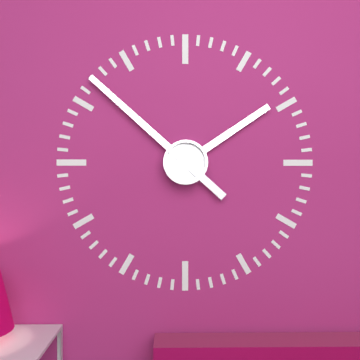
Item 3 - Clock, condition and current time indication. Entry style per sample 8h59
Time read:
1h52
